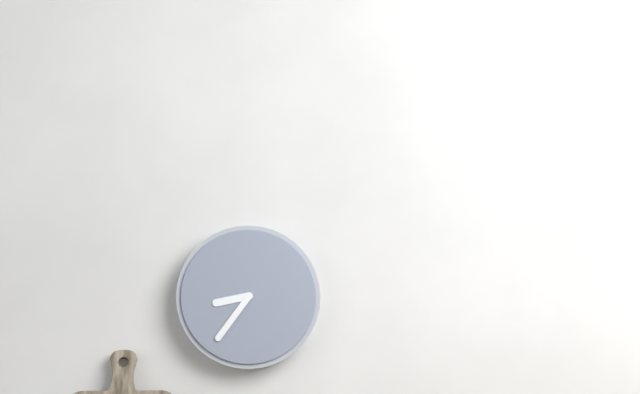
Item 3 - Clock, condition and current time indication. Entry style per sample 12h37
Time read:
8h36
